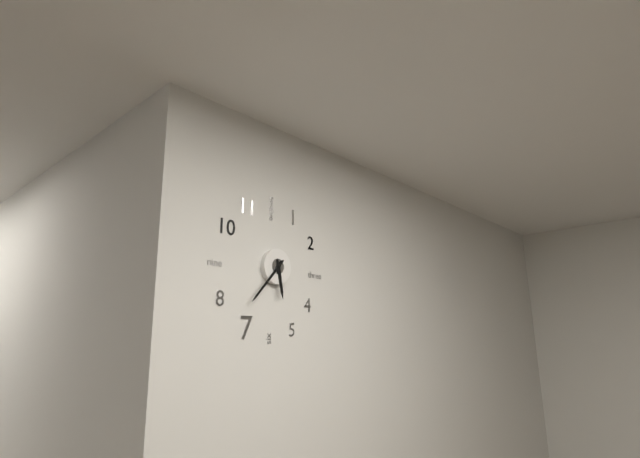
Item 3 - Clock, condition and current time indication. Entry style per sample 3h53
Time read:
5h37
